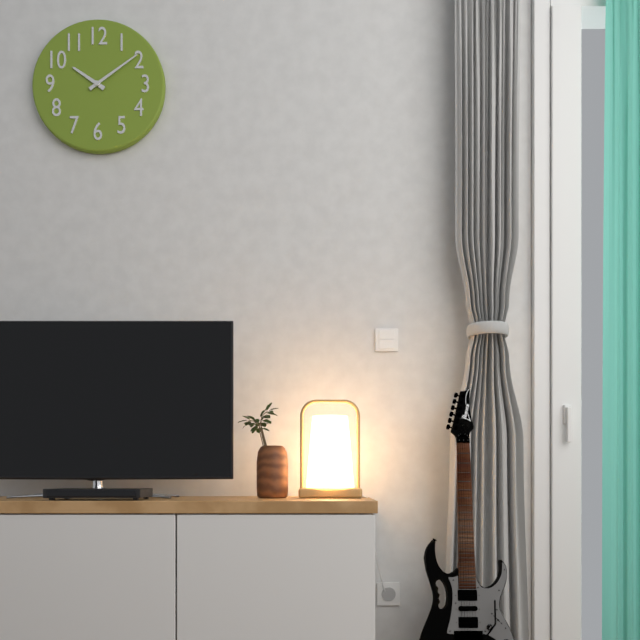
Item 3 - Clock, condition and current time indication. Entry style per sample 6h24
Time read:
10h09
